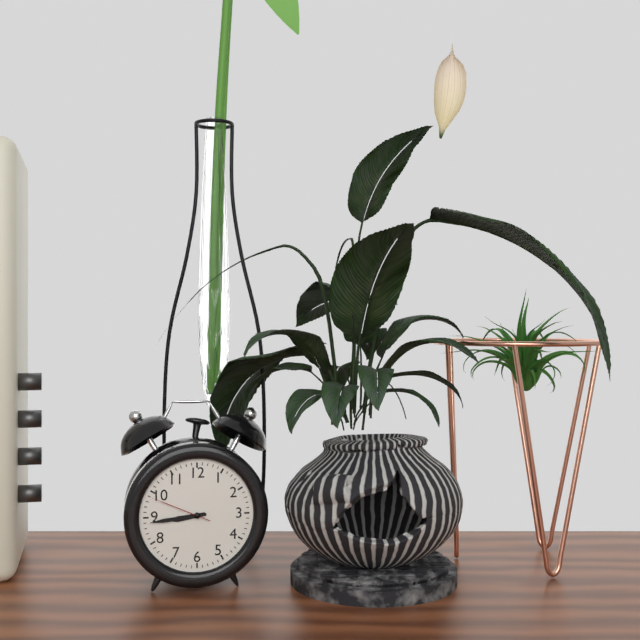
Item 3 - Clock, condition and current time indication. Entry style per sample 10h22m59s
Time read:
8h44m49s
